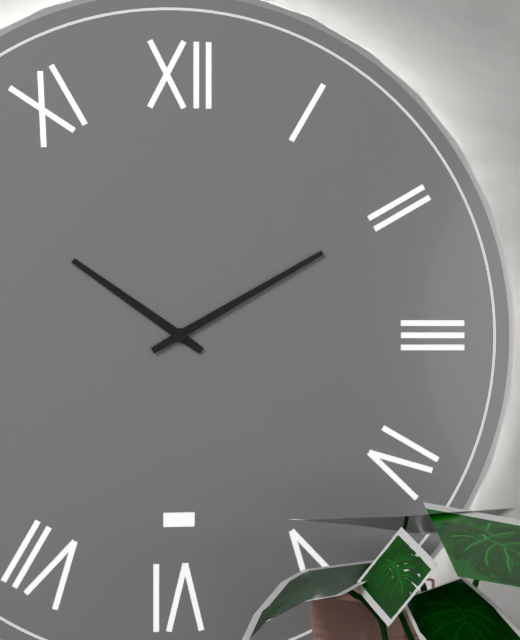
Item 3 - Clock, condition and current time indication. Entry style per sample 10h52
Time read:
10h10
